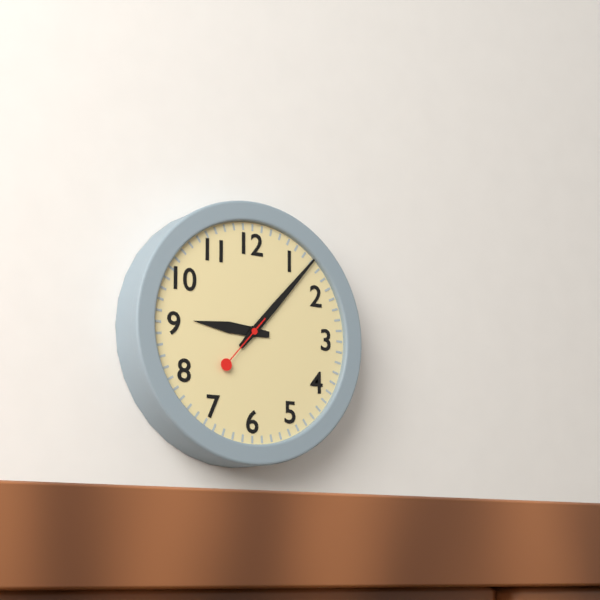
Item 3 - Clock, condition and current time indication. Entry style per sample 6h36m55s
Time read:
9h07m37s
